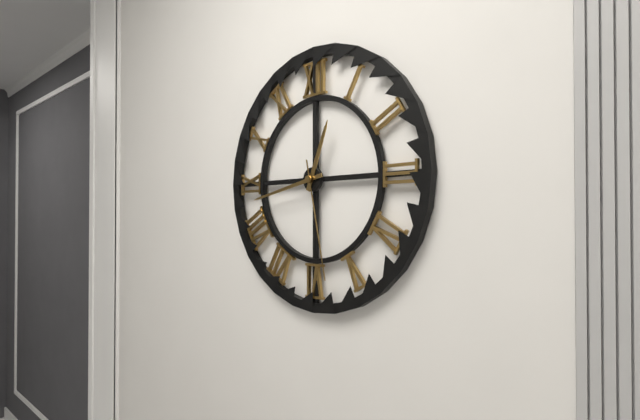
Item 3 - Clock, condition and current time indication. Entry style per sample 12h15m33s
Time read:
12h43m28s
